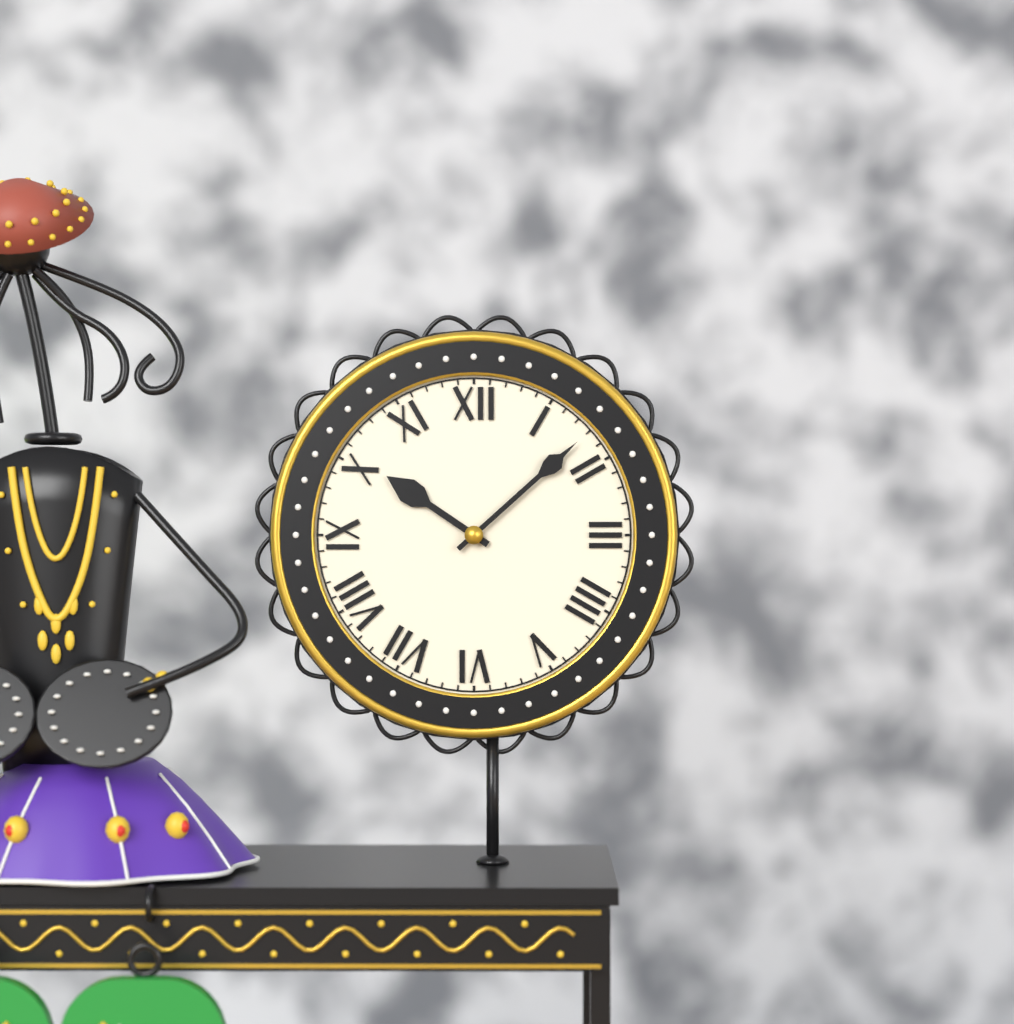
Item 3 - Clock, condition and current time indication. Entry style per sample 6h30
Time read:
10h08
